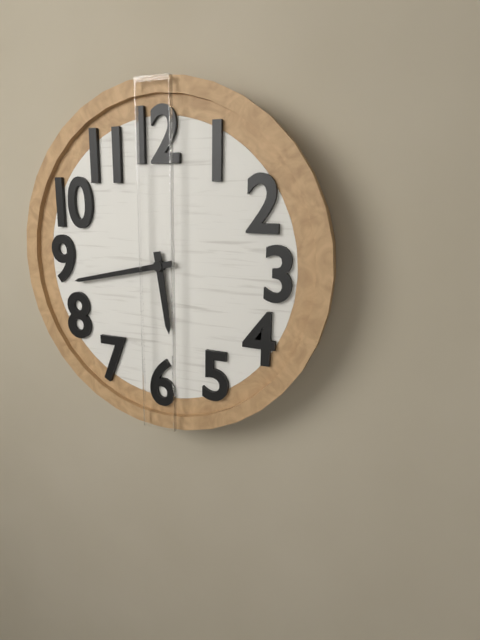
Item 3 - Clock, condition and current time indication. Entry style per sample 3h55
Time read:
5h43
